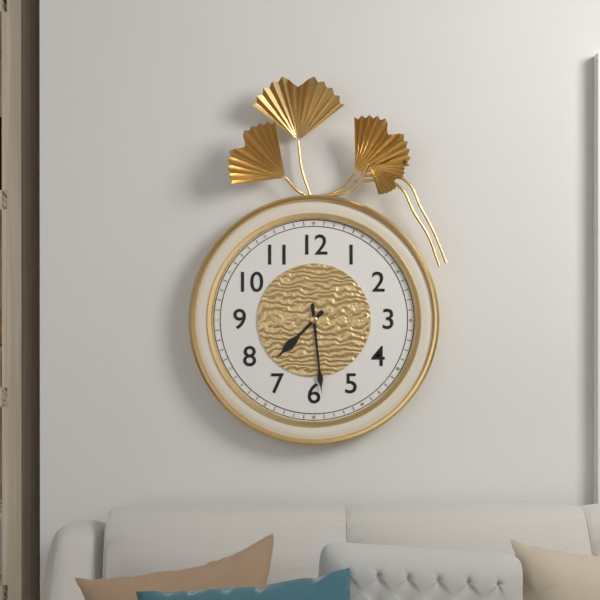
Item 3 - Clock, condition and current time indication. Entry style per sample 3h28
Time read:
7h29
